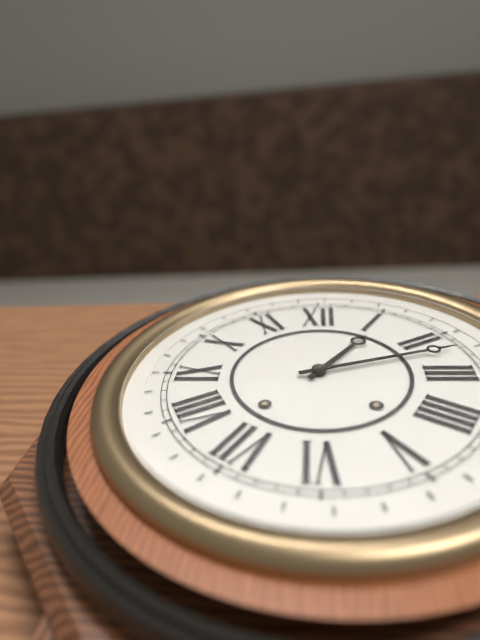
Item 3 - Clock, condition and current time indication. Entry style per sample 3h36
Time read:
1h12
